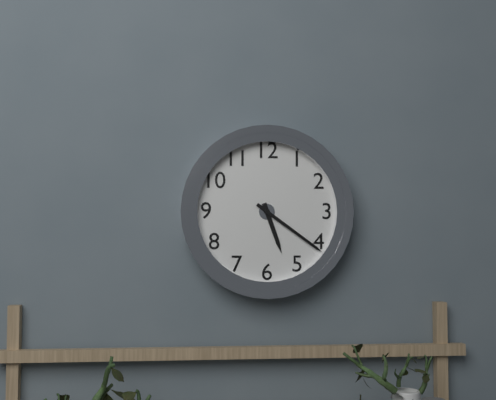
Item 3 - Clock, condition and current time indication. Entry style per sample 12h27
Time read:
5h21
